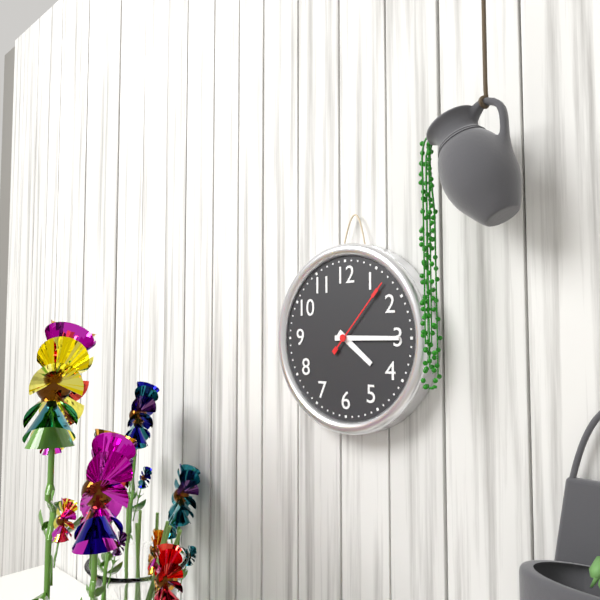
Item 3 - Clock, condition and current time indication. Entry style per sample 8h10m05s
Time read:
4h15m07s
